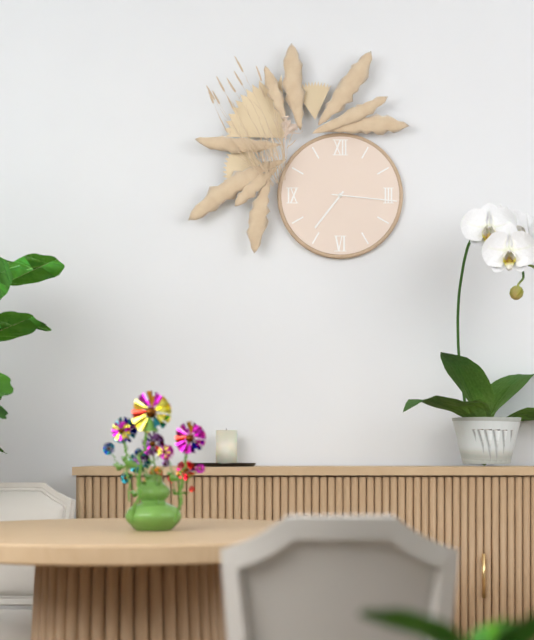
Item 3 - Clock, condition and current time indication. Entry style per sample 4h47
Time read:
7h16
